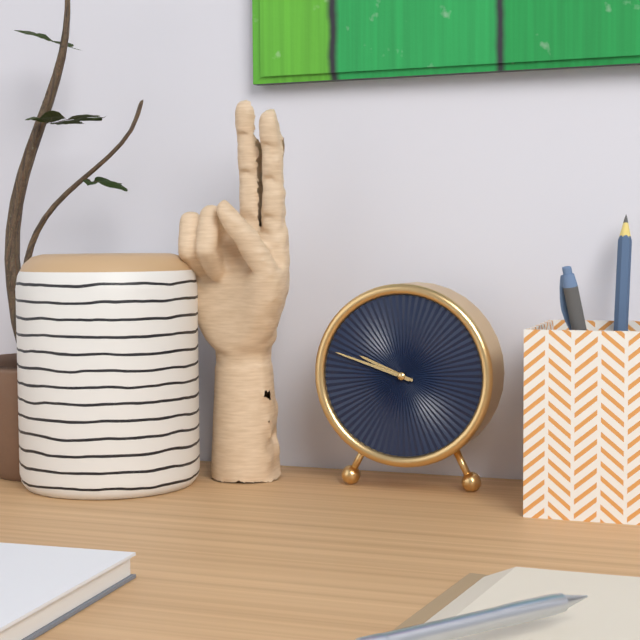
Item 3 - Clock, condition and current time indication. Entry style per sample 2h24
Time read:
9h48
